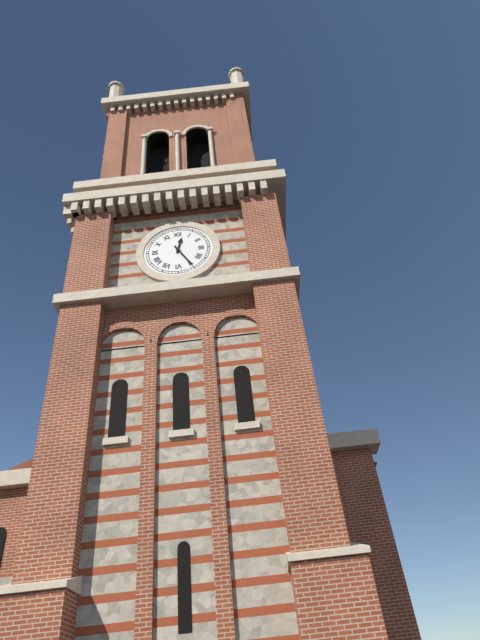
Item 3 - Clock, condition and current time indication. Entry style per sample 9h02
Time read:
12h25
